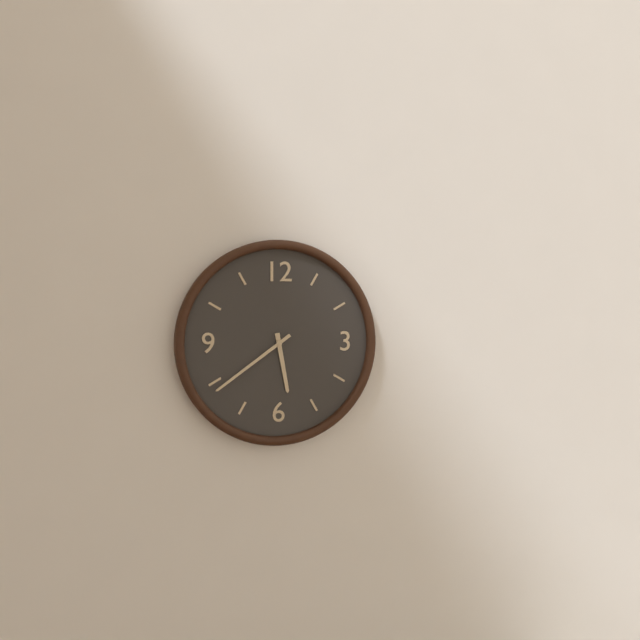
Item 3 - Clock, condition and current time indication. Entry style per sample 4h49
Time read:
5h39
